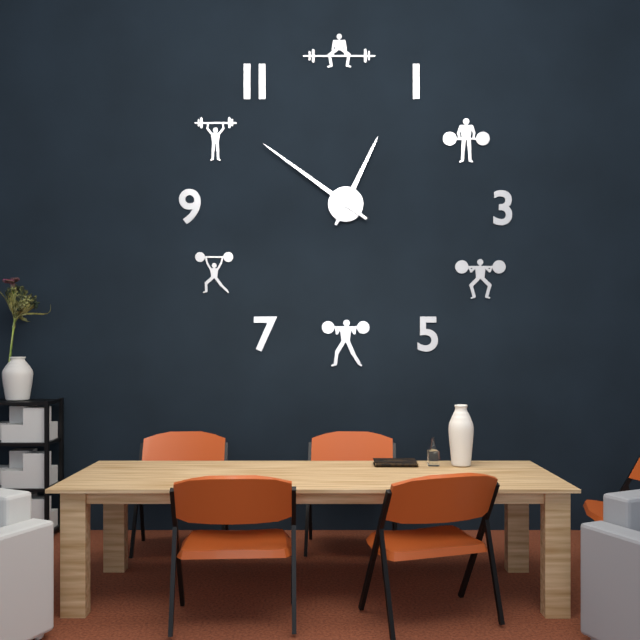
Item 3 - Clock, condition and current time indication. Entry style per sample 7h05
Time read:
12h51
